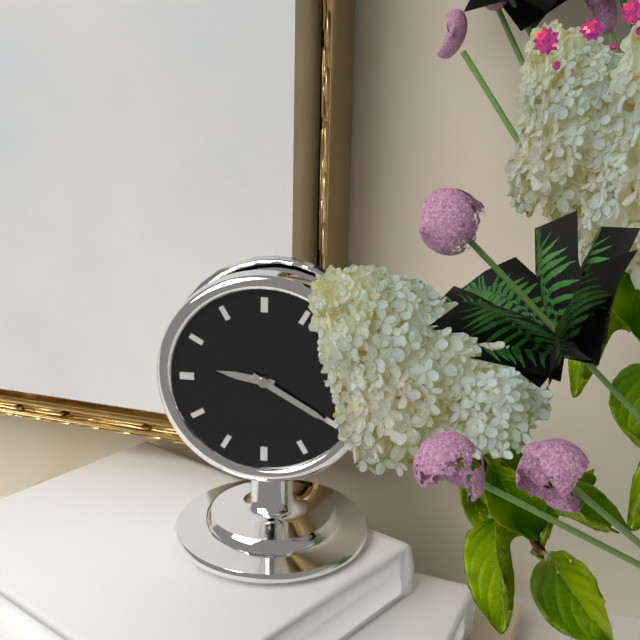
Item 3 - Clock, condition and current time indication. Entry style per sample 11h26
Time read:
9h20
